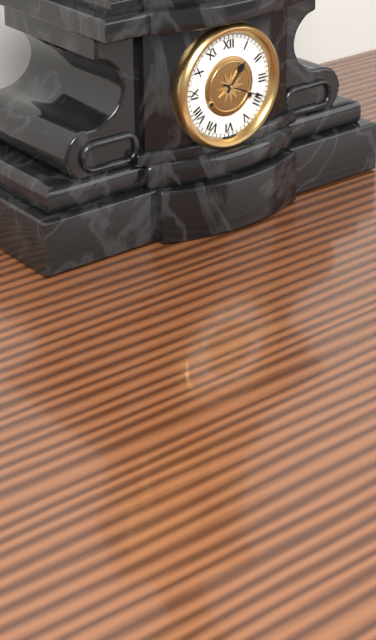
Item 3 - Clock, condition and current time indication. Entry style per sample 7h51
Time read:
1h19
